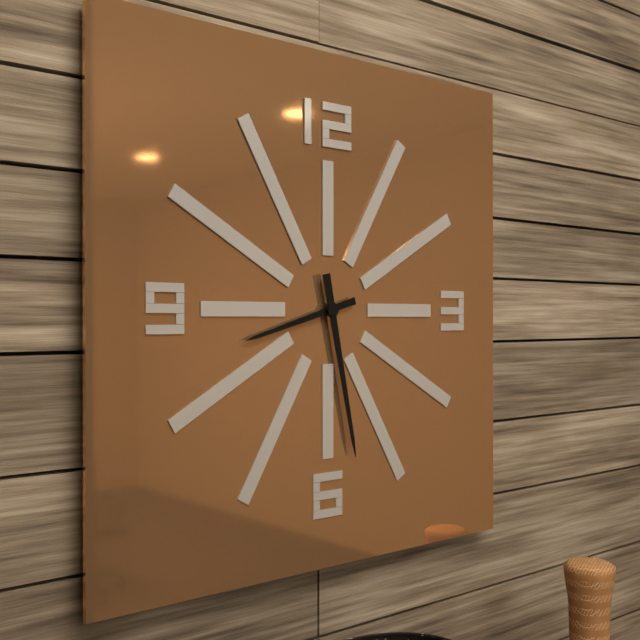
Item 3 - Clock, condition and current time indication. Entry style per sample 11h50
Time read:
8h28
